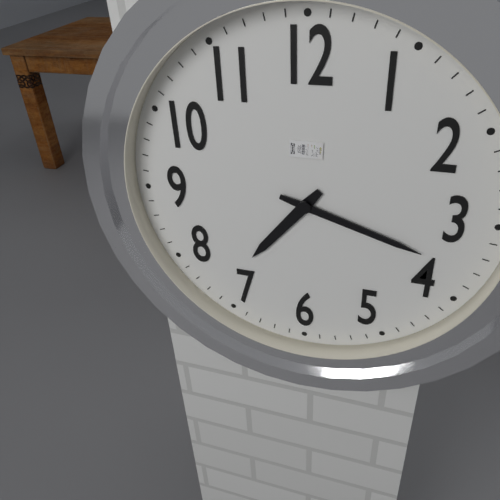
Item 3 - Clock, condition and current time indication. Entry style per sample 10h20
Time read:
7h18
